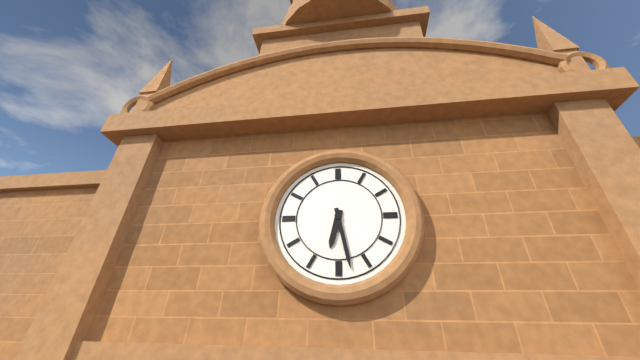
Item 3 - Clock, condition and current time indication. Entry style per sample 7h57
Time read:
6h28
